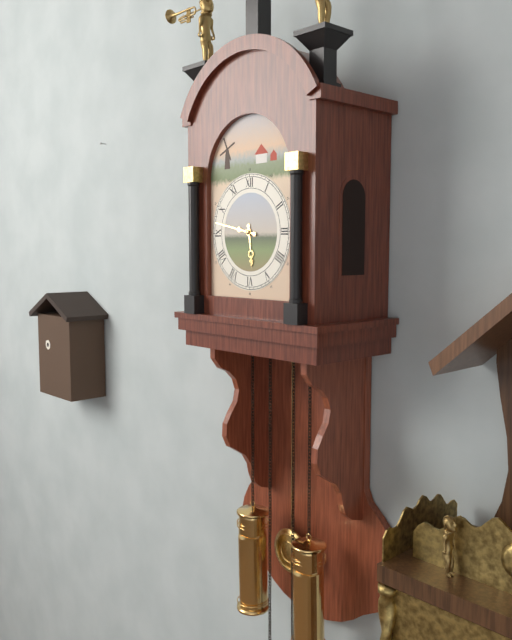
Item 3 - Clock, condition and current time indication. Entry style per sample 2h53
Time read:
5h47
